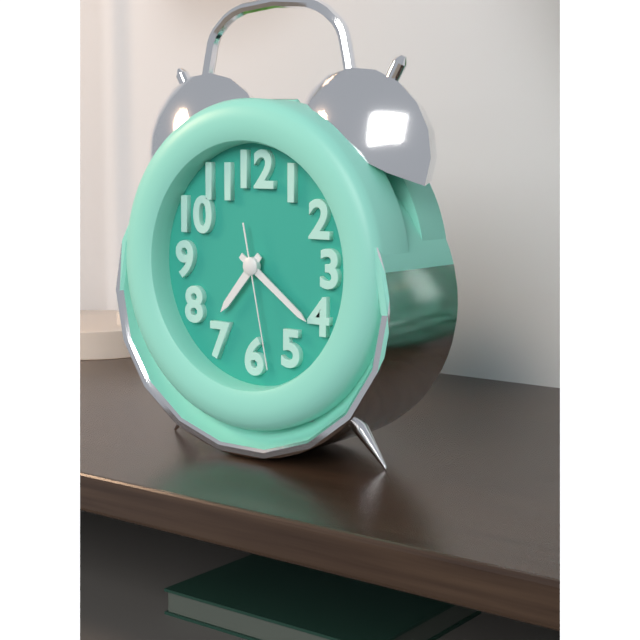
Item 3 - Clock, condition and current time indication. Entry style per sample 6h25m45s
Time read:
7h21m28s
